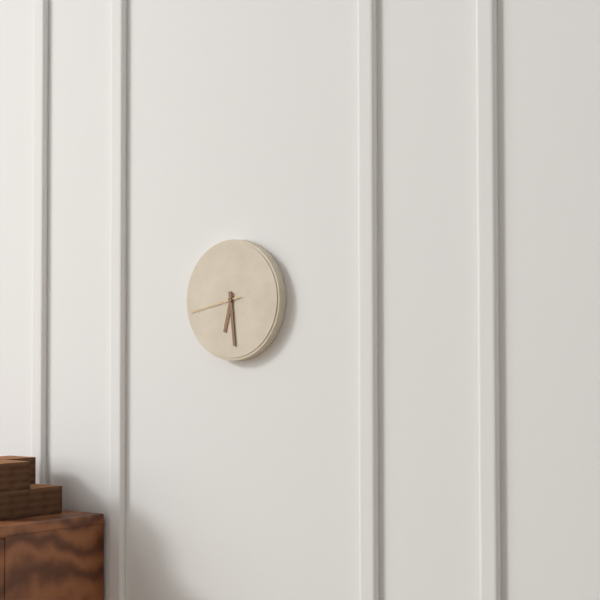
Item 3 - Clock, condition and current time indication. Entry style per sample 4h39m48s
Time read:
6h29m43s
